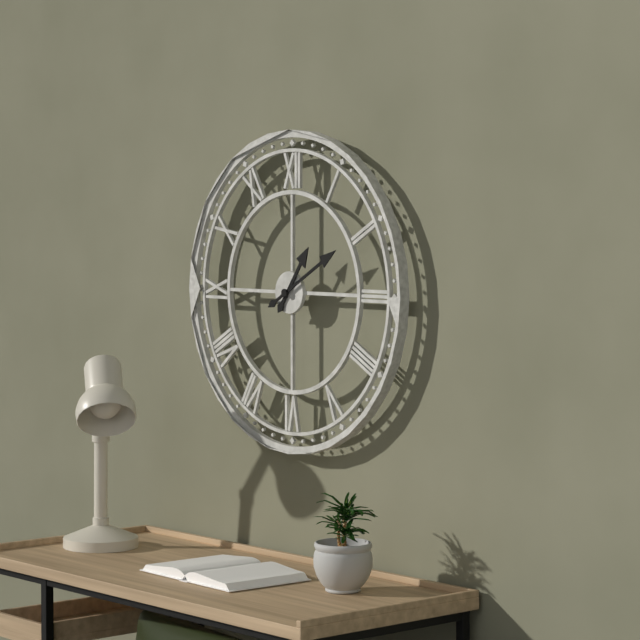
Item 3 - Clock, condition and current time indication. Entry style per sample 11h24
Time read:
1h10
